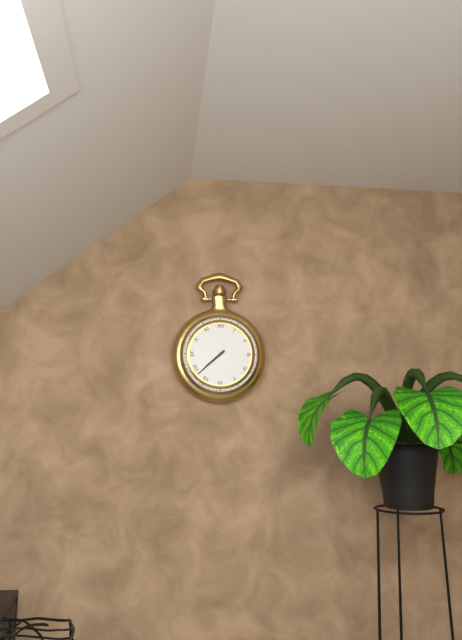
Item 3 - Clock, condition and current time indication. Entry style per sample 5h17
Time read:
7h38
